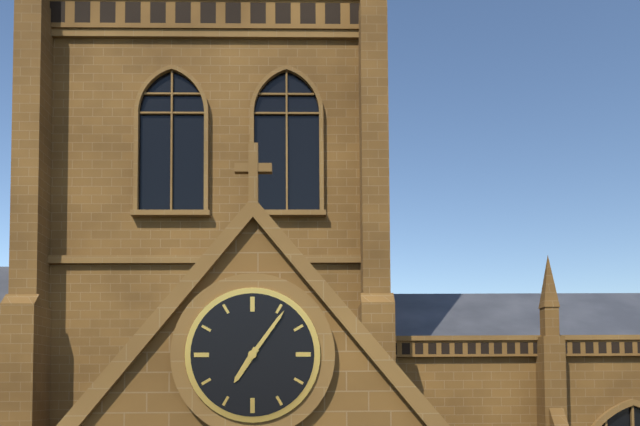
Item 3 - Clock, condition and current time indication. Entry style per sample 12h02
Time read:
7h06
